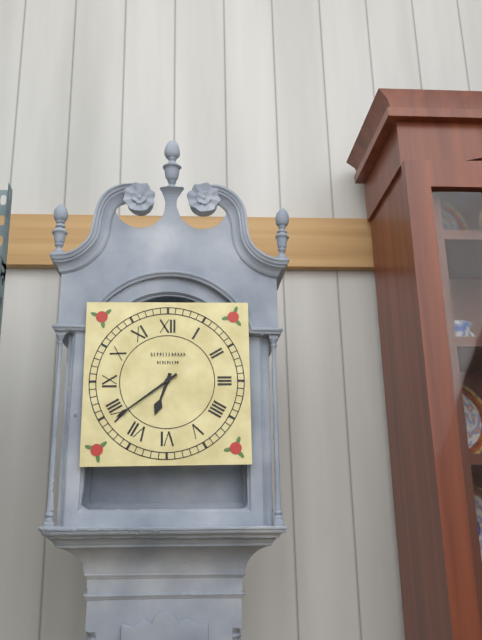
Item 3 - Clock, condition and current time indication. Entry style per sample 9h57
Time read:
6h39
